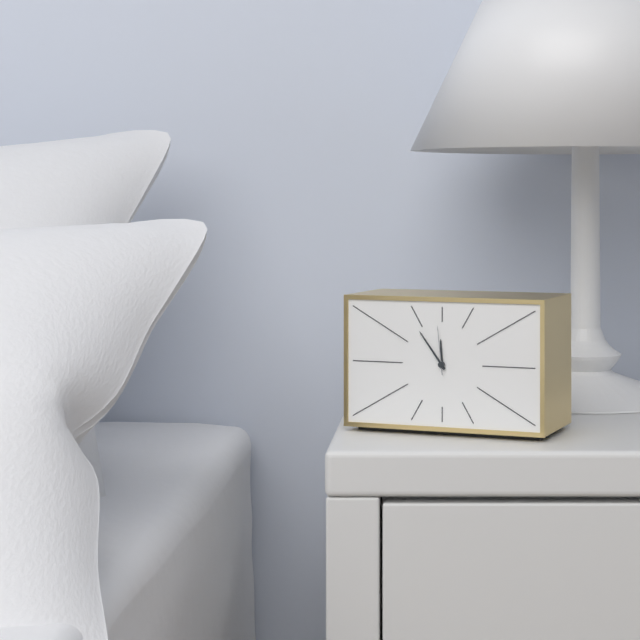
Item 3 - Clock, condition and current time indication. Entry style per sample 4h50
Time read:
11h54
